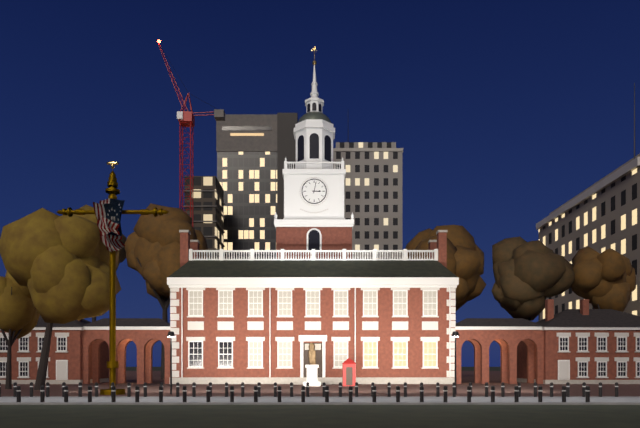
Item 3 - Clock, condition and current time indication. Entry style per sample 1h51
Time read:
3h02
